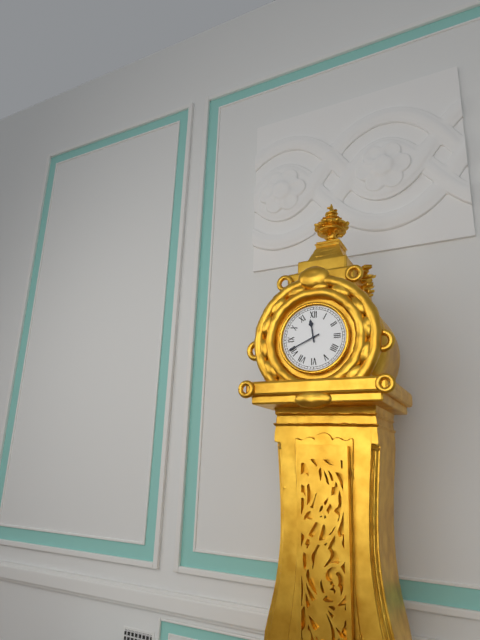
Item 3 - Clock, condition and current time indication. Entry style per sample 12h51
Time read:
11h41
